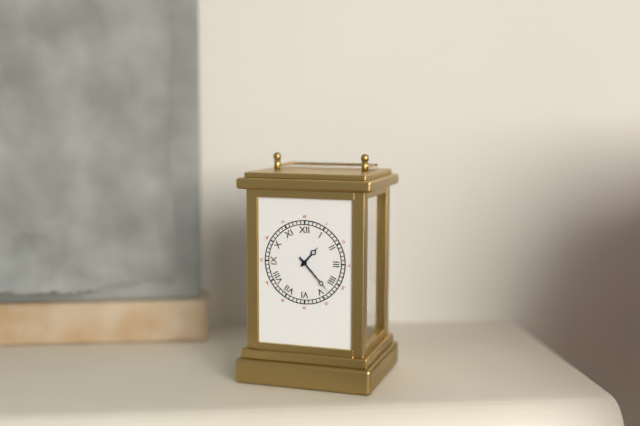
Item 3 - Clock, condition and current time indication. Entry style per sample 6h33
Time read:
1h23
